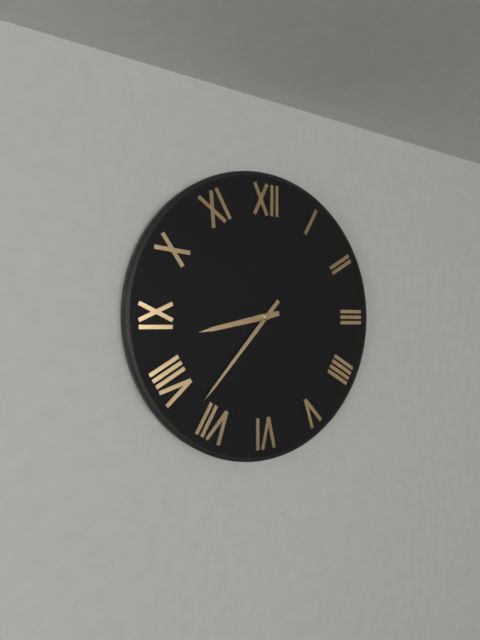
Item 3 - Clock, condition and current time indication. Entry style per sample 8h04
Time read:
8h37
